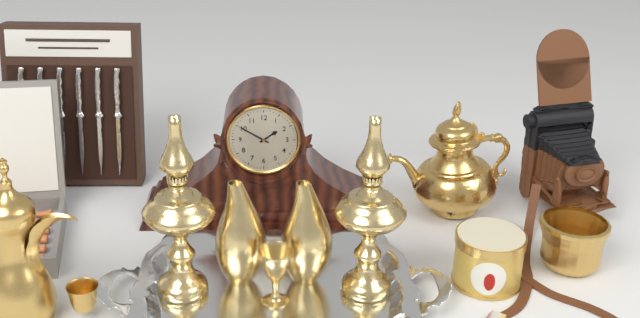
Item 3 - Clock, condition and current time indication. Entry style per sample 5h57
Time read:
1h50
